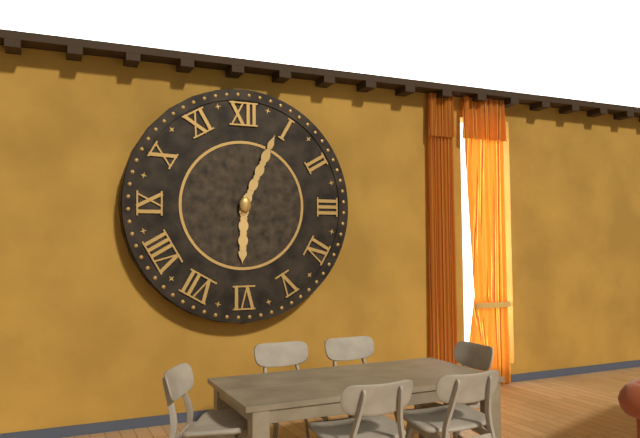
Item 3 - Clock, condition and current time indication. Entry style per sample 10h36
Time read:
6h04
